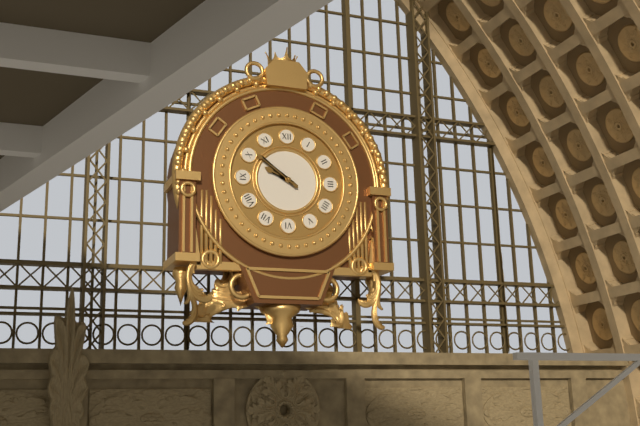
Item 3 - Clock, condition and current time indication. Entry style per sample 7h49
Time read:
9h51
